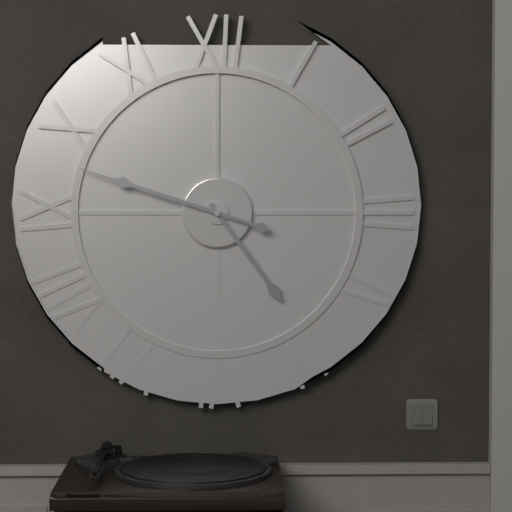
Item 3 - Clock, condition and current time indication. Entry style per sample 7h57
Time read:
4h48
